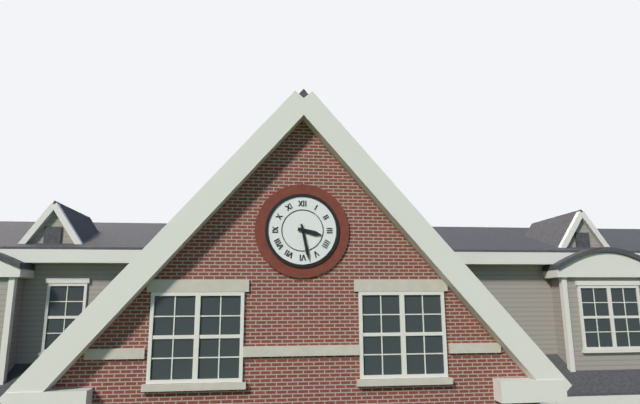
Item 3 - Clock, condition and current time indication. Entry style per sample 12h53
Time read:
3h28
